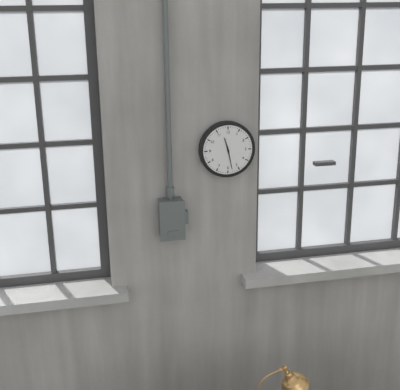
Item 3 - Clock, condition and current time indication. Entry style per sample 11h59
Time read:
11h28
